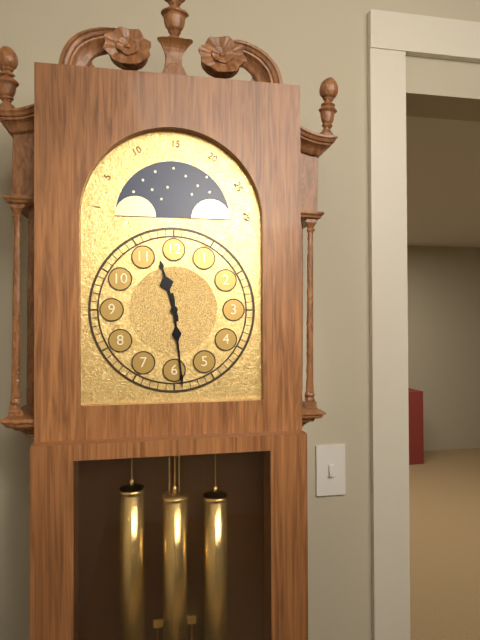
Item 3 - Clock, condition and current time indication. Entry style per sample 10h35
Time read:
11h29
